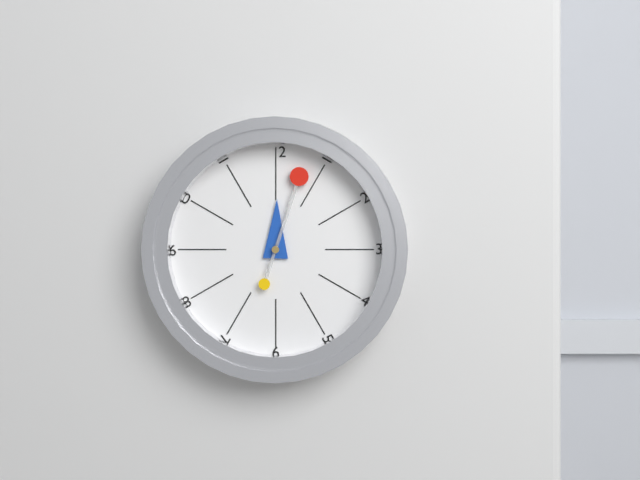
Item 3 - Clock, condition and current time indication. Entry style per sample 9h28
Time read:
12h03
